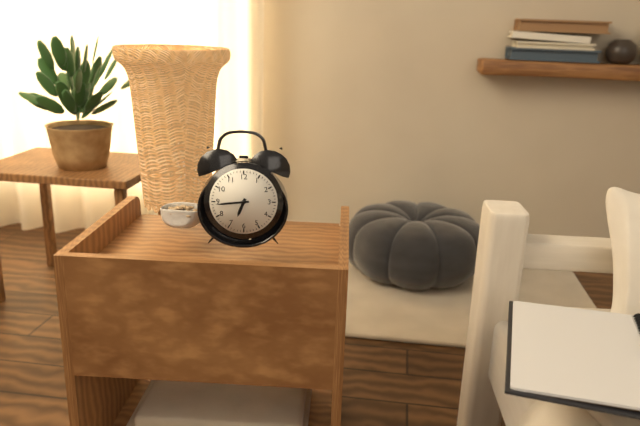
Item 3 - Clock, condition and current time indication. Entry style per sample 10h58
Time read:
6h44
